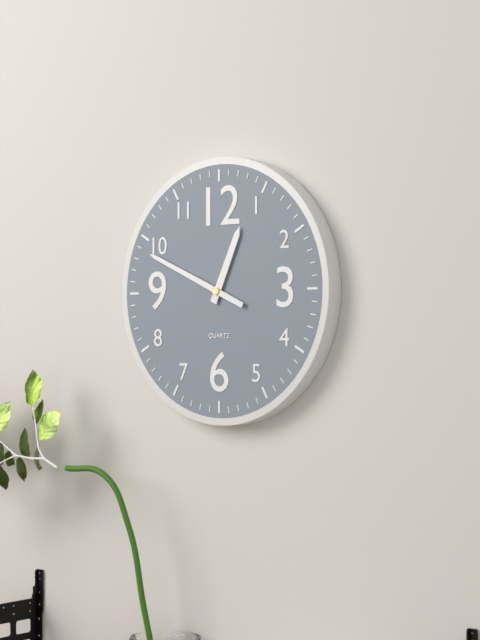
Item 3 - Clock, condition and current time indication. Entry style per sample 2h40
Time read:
12h49
